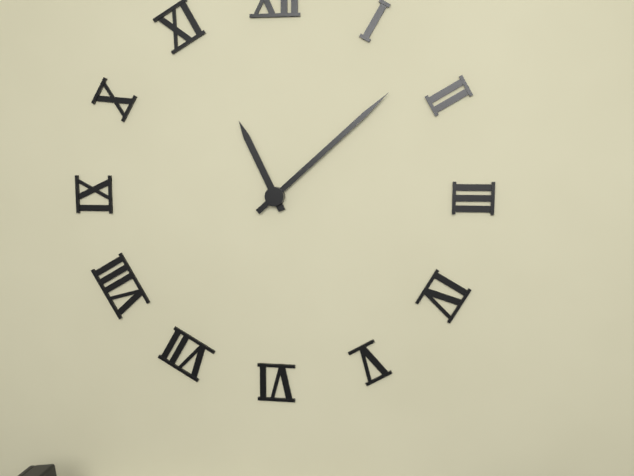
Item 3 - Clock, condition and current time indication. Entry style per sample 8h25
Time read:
11h08
